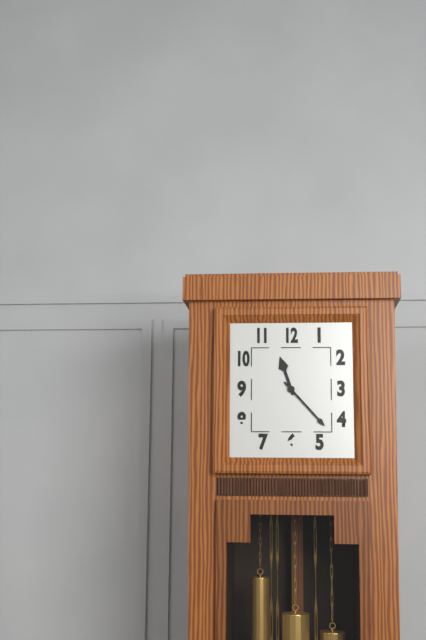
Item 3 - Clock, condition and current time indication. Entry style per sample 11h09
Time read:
11h23
